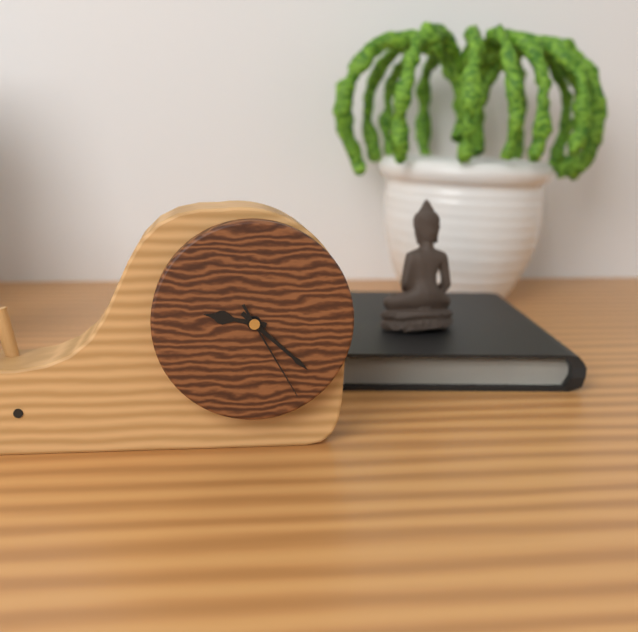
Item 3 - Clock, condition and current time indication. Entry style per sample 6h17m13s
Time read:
9h22m25s
